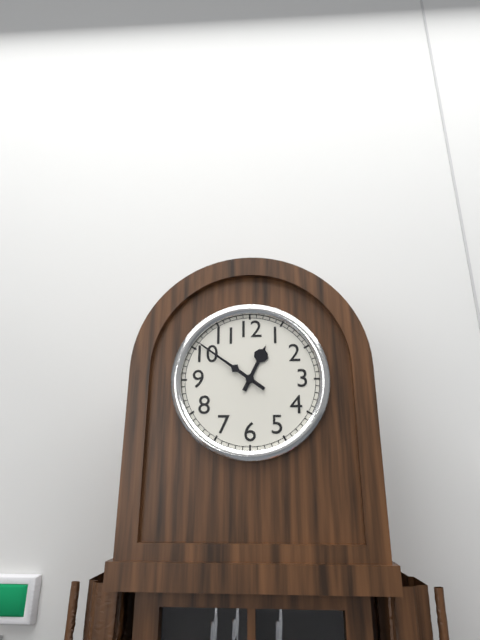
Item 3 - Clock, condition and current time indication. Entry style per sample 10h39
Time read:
12h51
